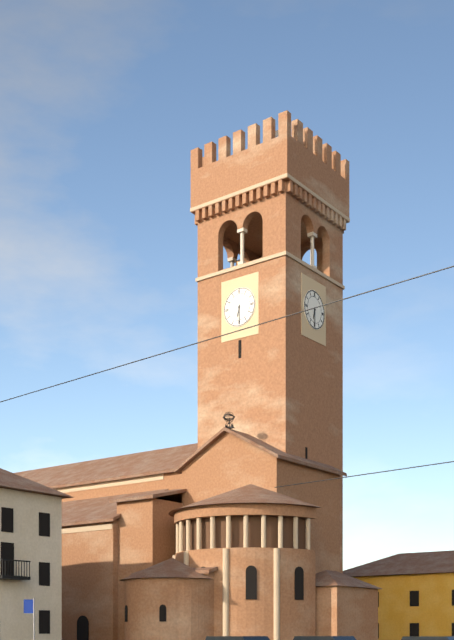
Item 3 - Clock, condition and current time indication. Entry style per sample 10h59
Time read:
6h30
